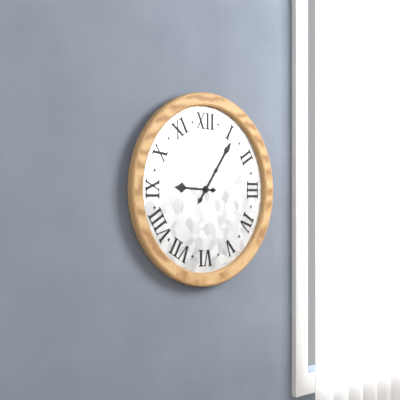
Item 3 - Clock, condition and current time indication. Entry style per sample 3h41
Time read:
9h06
